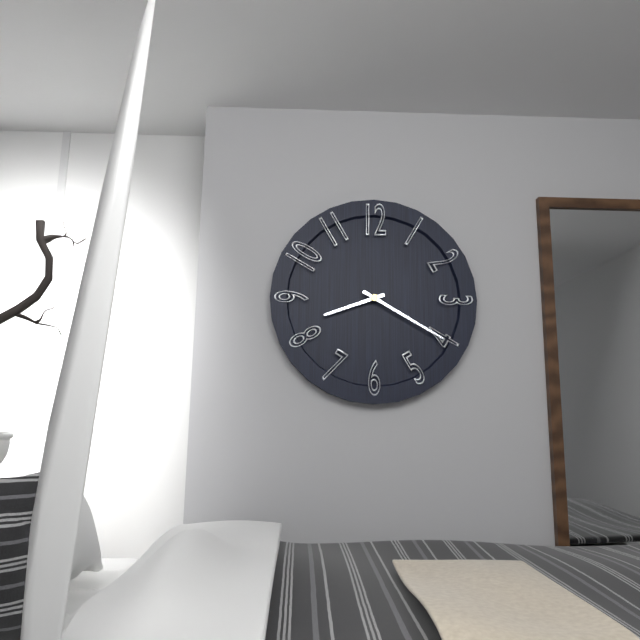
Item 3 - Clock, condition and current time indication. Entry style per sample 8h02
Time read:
8h20
